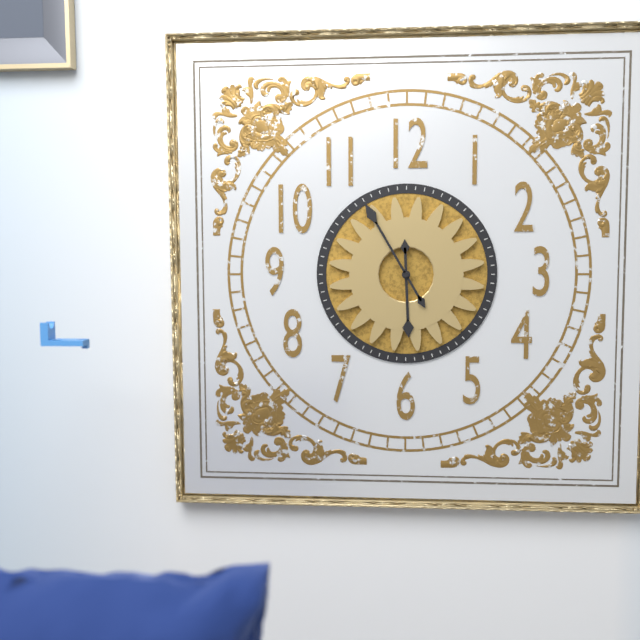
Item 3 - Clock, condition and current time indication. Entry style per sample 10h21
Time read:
5h55
